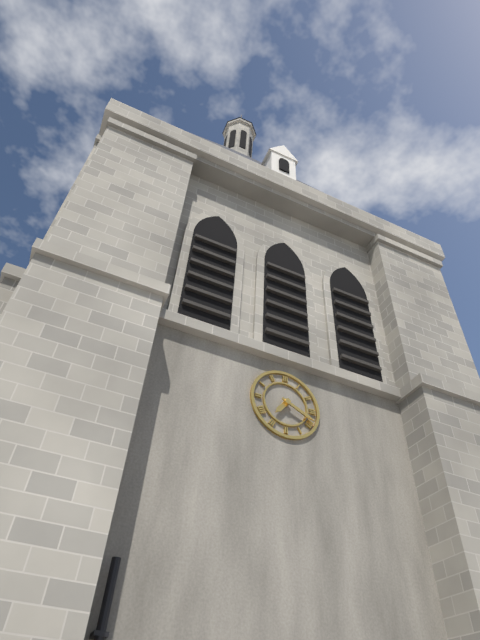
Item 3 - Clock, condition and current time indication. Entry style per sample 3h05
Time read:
7h19
